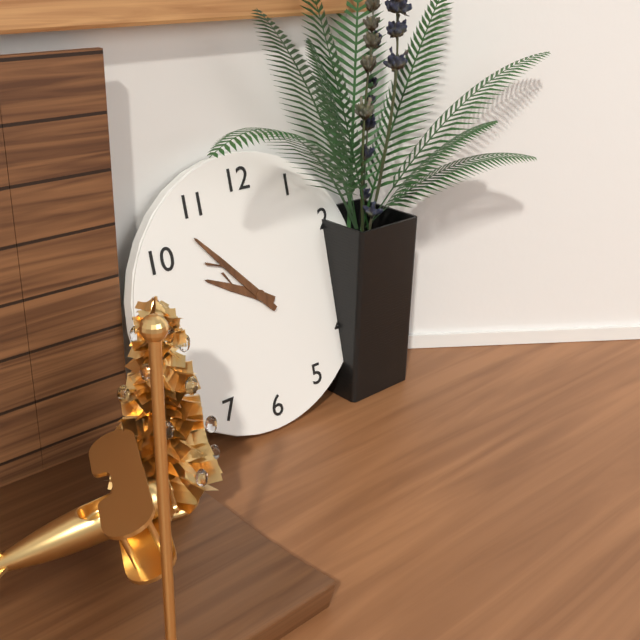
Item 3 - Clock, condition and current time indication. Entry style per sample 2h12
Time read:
9h53
